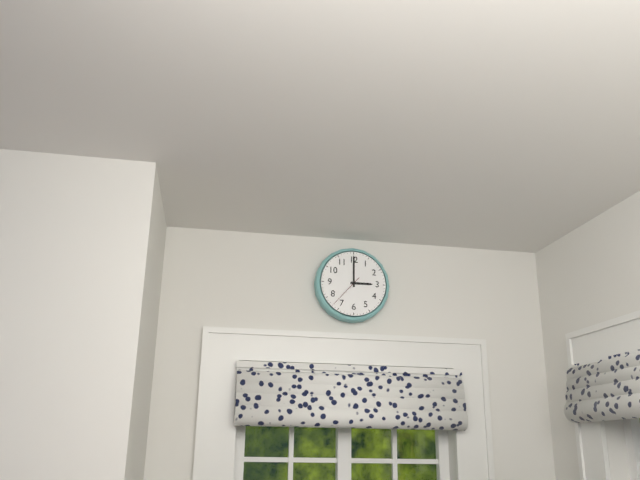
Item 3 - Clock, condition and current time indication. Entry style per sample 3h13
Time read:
3h00
